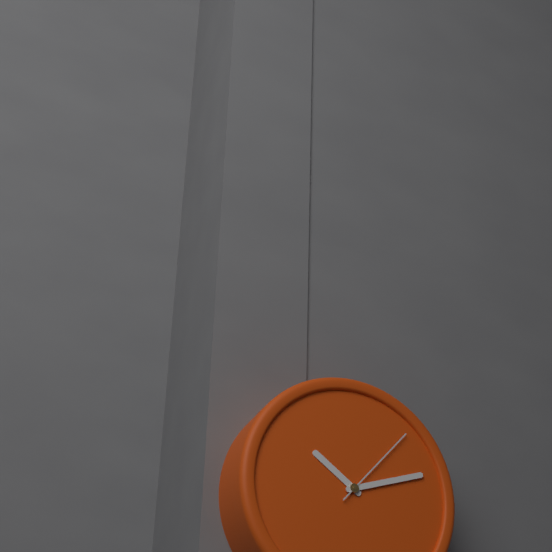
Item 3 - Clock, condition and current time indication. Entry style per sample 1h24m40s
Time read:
10h12m07s
